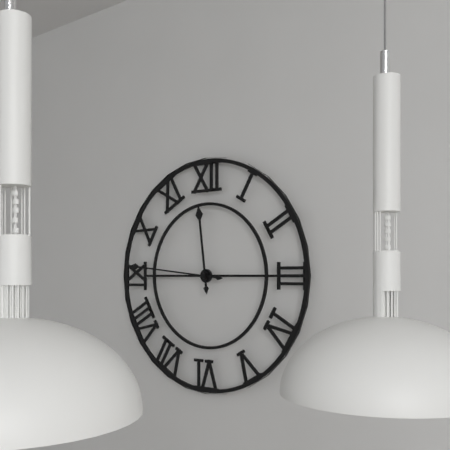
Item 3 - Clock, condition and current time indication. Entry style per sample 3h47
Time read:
11h46
